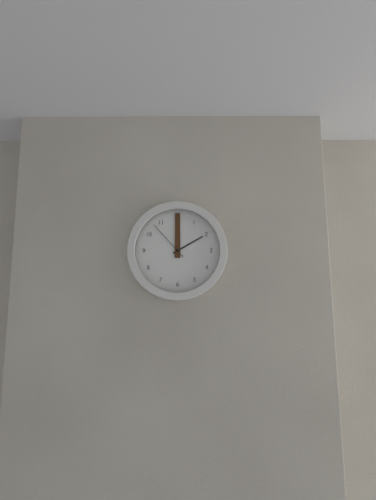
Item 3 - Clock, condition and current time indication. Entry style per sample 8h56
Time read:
2h00
